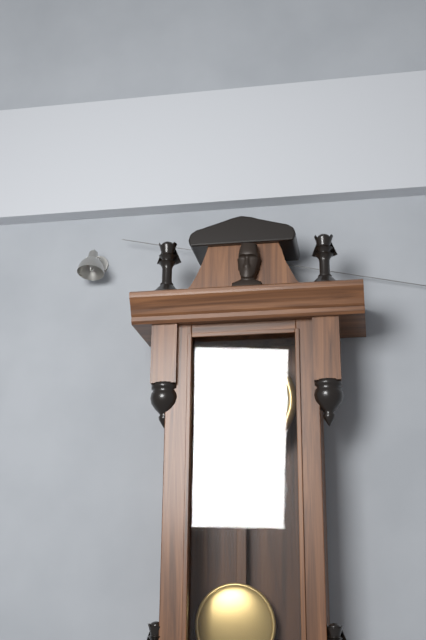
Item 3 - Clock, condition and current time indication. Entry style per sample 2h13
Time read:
11h13
